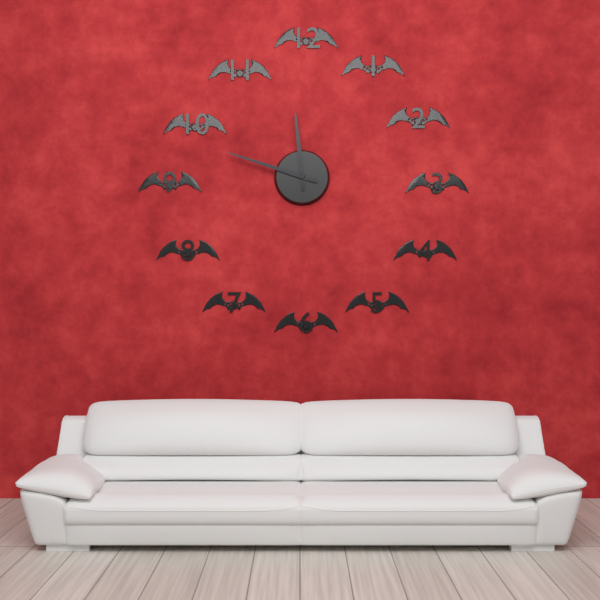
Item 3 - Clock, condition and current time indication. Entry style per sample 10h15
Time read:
11h48
